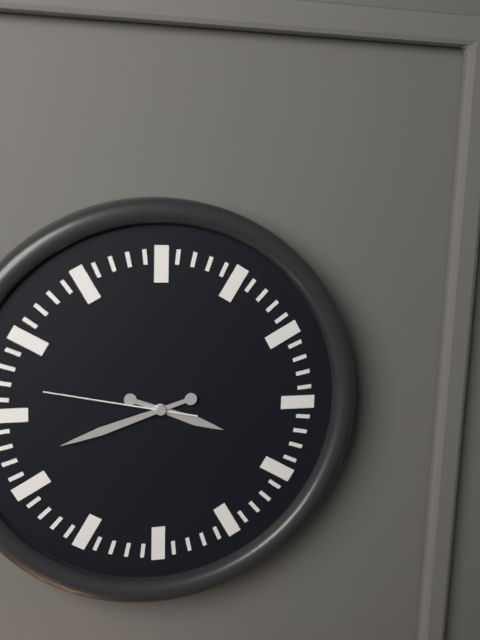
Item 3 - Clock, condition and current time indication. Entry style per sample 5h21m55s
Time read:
3h42m47s
